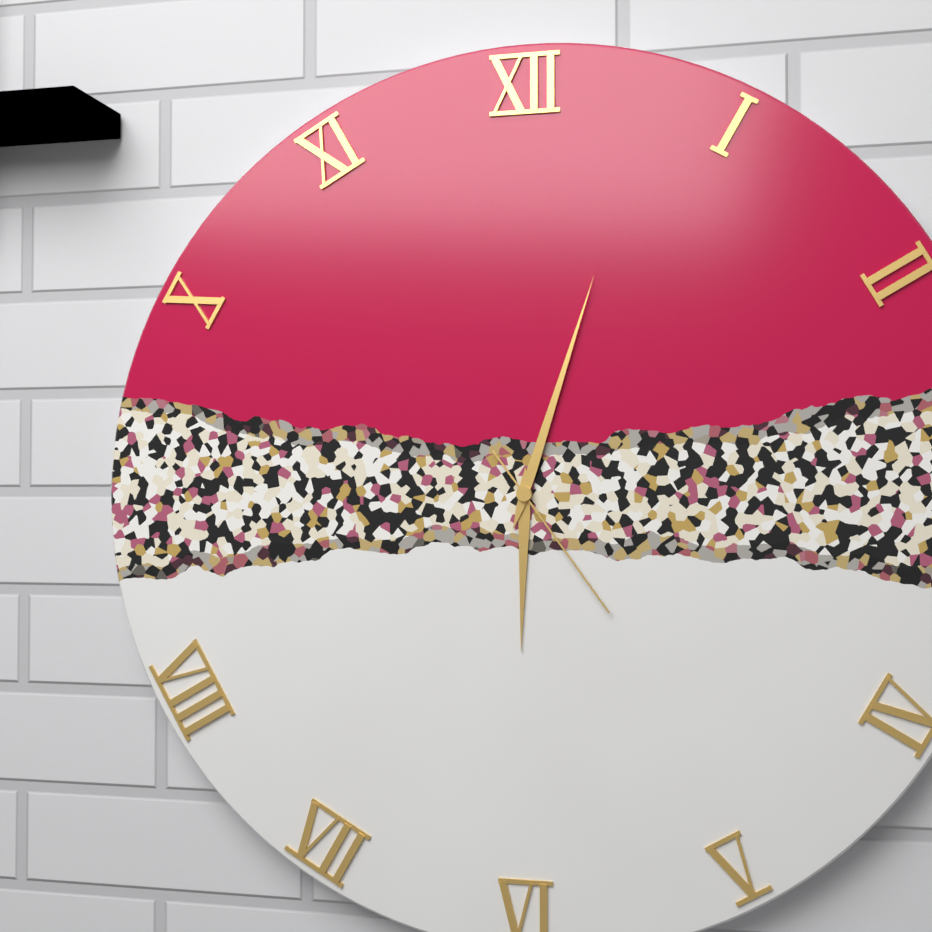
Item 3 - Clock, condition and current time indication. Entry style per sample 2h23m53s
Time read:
6h03m24s
